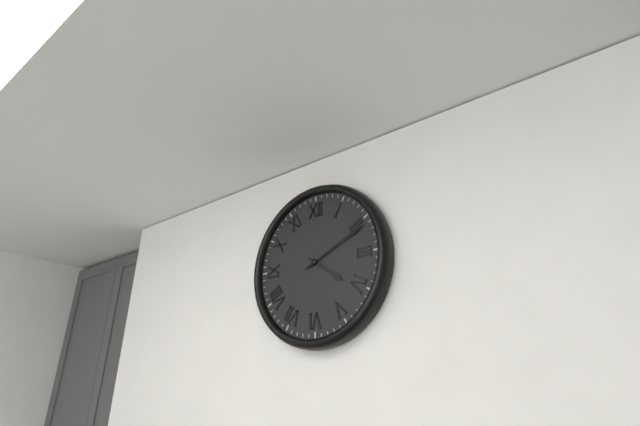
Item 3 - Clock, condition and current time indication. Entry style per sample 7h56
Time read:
4h11
